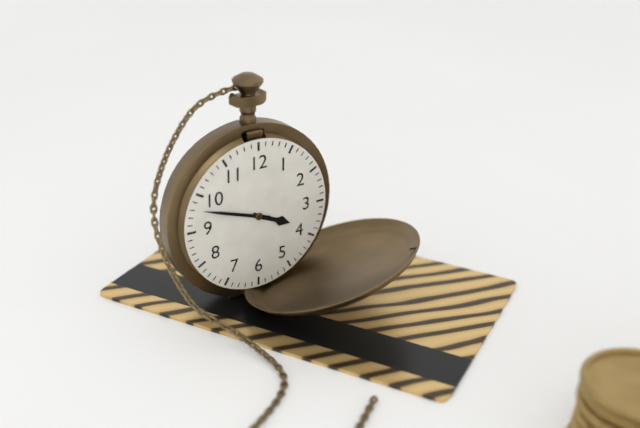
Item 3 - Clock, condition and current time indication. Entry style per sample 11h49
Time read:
3h48
